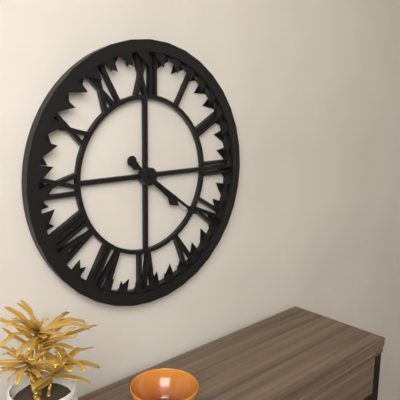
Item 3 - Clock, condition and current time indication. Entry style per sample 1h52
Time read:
4h21
